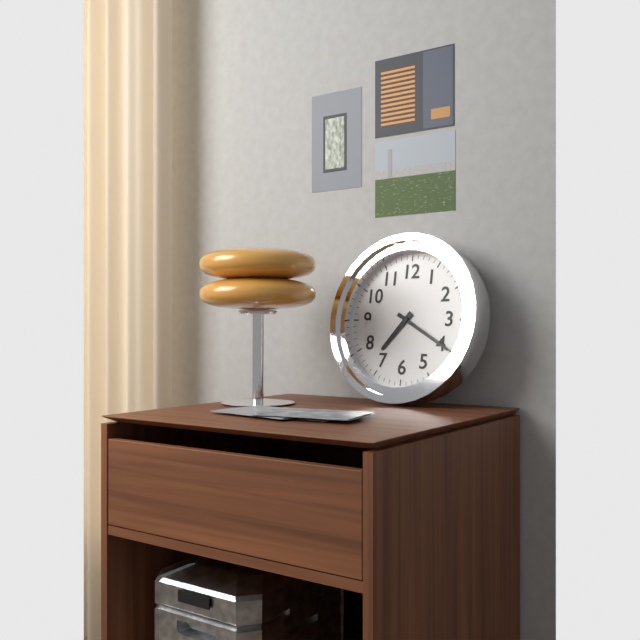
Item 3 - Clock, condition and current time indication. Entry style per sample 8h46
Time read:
7h20
